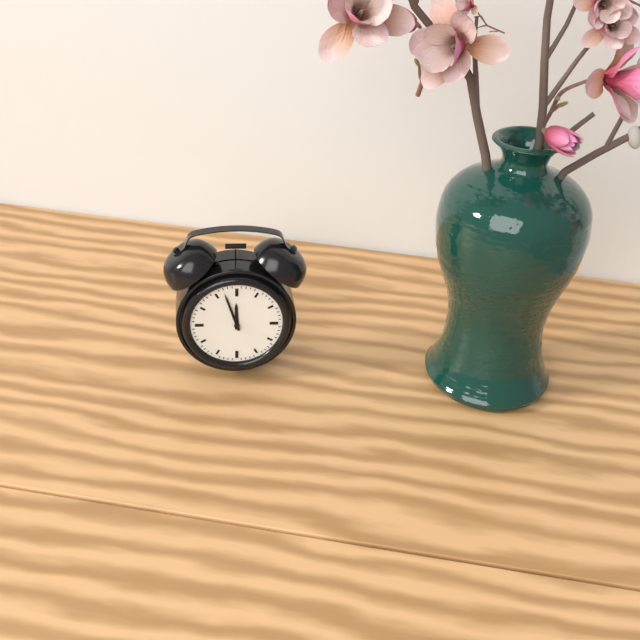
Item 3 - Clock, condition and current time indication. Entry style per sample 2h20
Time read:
11h57
